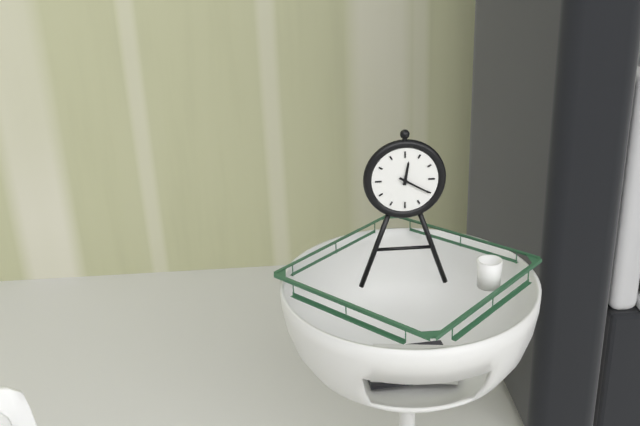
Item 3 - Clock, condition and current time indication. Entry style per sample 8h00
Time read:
12h20
